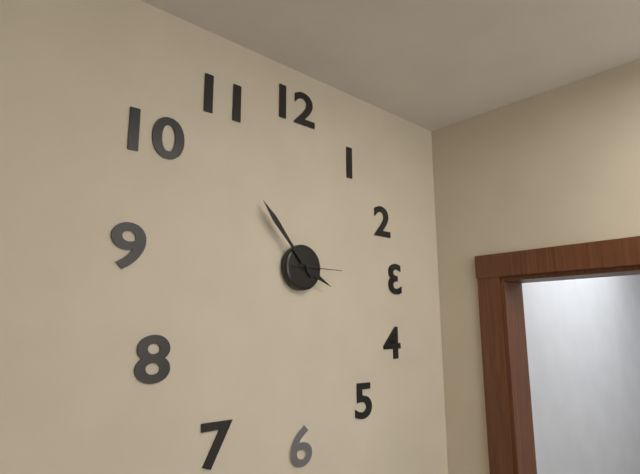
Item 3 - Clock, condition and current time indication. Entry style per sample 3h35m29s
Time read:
3h53m15s
